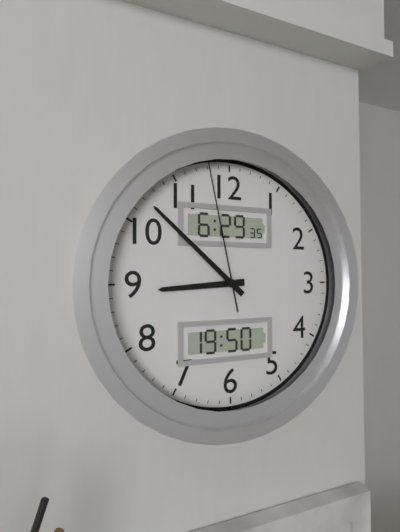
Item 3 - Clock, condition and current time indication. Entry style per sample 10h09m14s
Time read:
8h52m58s
